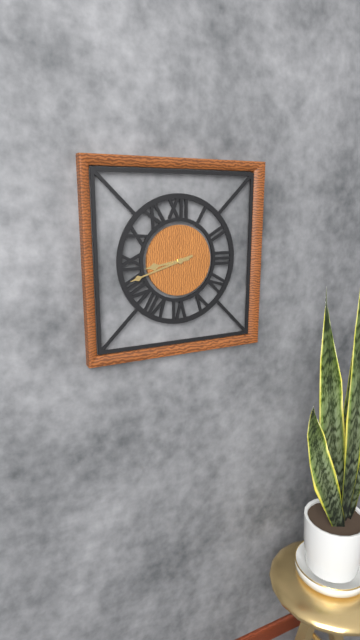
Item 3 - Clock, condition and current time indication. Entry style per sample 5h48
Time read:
8h42
